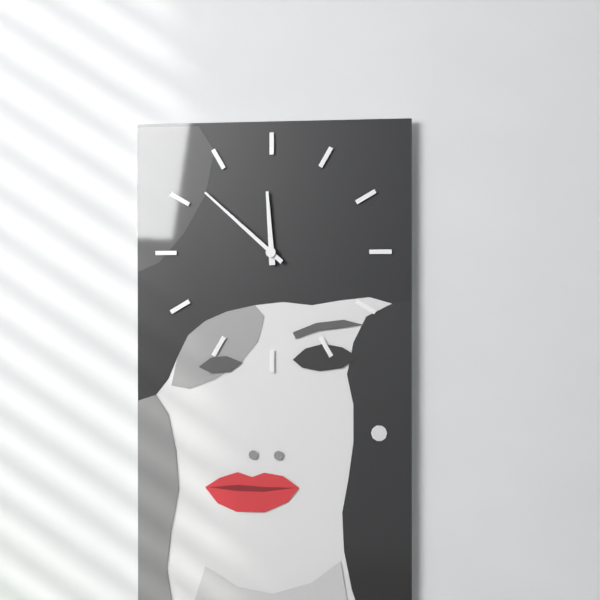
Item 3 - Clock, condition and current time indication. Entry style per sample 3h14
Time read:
11h52
